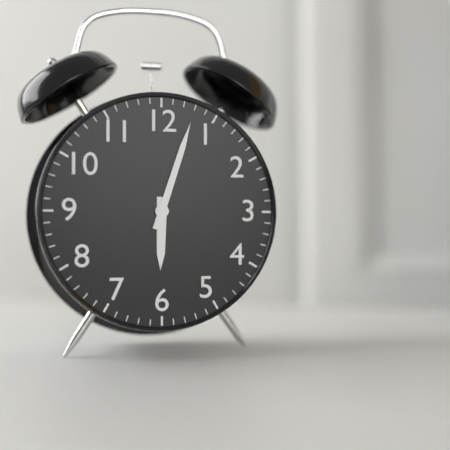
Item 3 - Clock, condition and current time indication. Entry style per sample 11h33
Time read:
6h03
